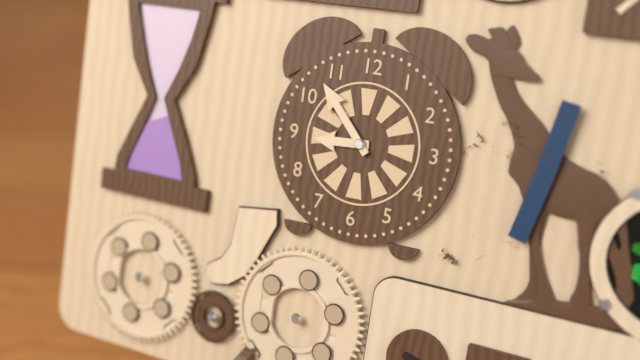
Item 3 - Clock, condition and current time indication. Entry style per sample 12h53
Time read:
8h53
